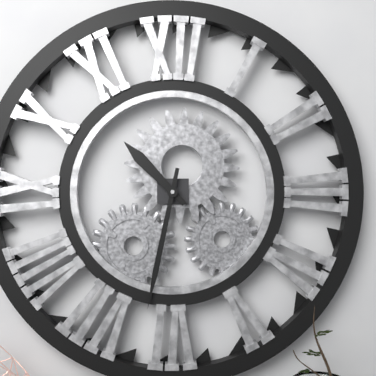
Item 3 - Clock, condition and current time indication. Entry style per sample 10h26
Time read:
10h32
